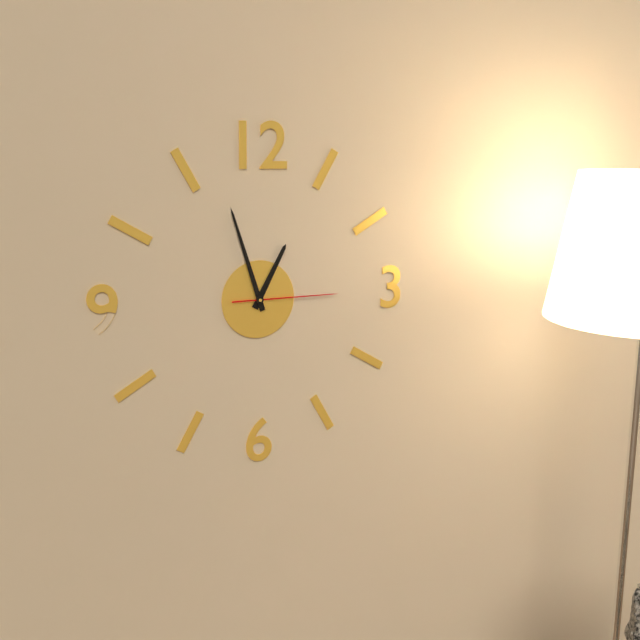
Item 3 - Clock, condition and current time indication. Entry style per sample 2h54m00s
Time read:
12h57m15s
